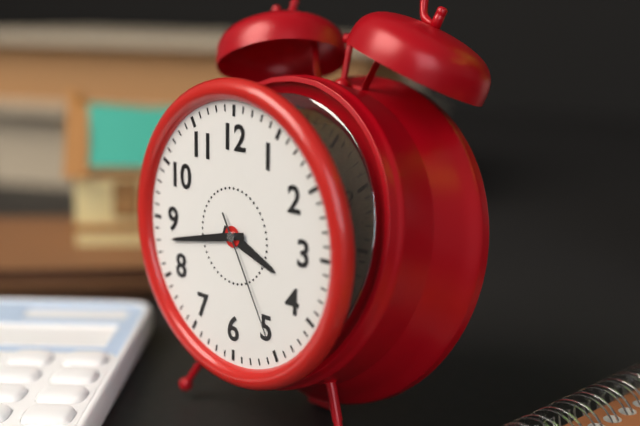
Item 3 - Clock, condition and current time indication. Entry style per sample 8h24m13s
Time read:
3h43m25s
